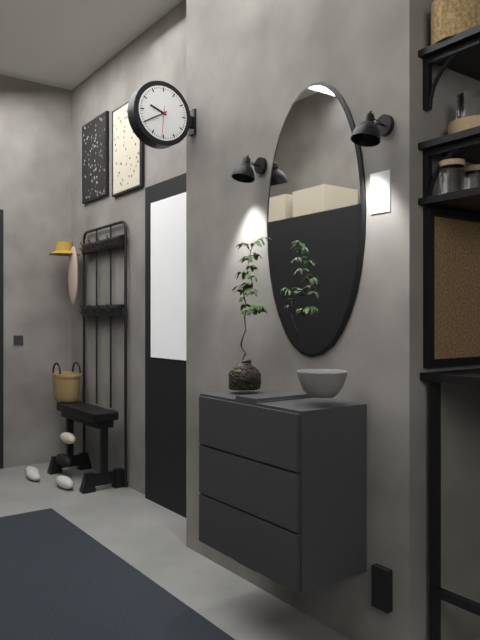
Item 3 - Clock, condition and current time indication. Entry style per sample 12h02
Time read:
9h40
